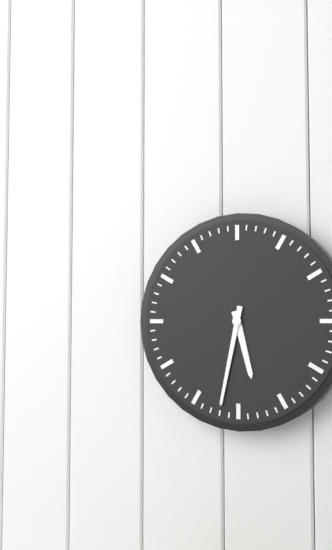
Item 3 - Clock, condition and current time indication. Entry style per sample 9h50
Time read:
5h32
